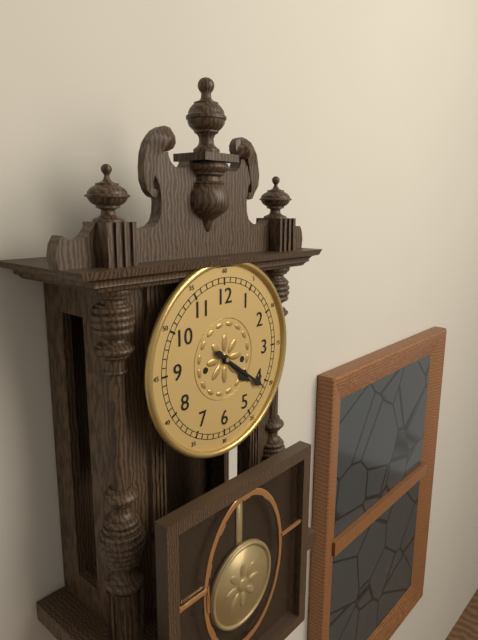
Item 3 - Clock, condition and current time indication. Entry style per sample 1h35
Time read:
4h21
